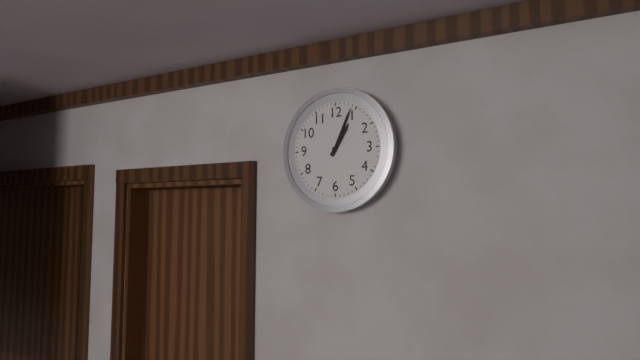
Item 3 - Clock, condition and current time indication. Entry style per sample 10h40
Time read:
1h04
